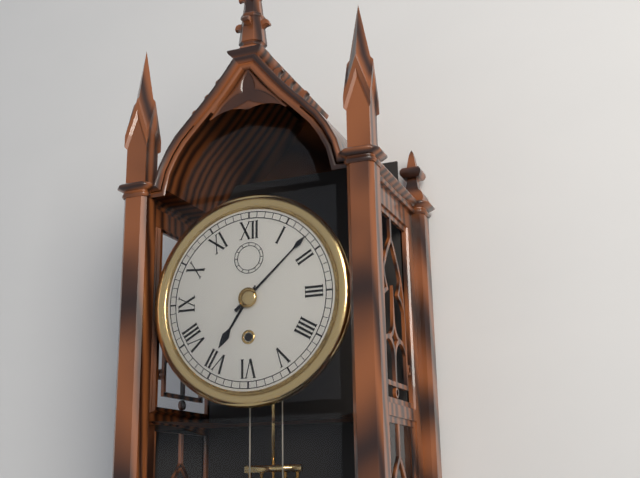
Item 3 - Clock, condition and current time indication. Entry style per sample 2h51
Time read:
7h08
